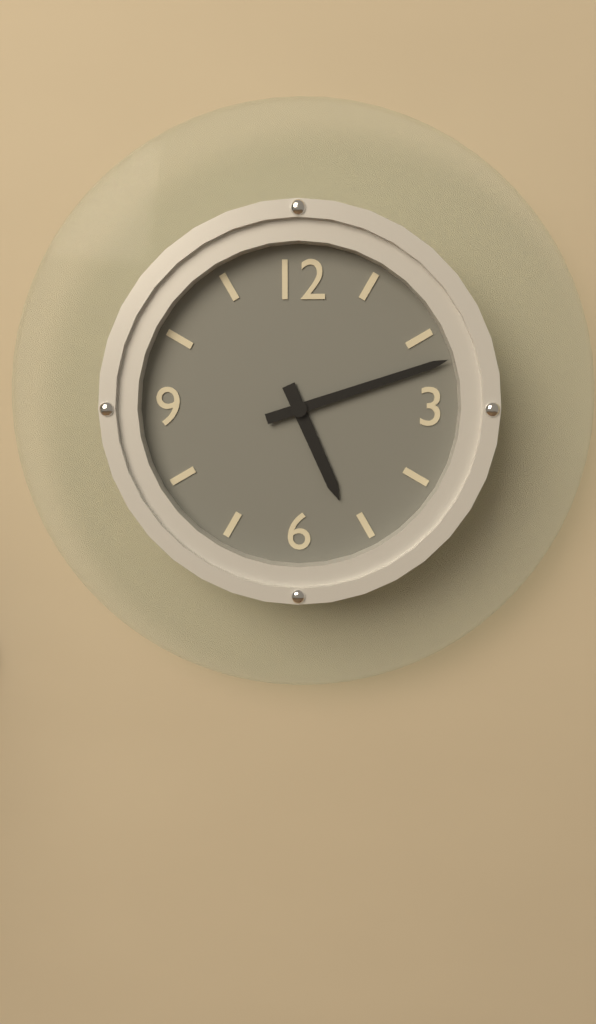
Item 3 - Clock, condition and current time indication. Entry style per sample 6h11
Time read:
5h12
